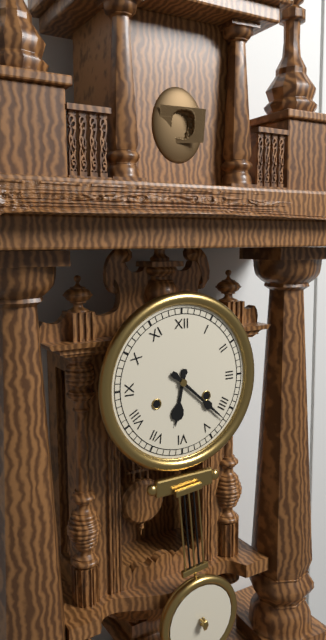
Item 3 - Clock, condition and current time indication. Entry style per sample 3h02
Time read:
6h22
